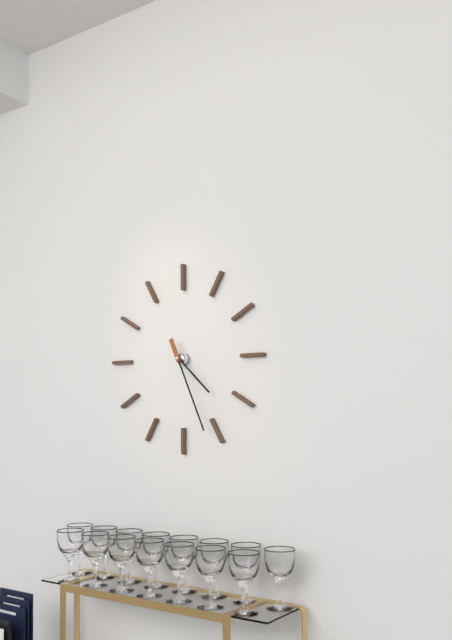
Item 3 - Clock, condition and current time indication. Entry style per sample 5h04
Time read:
4h26
